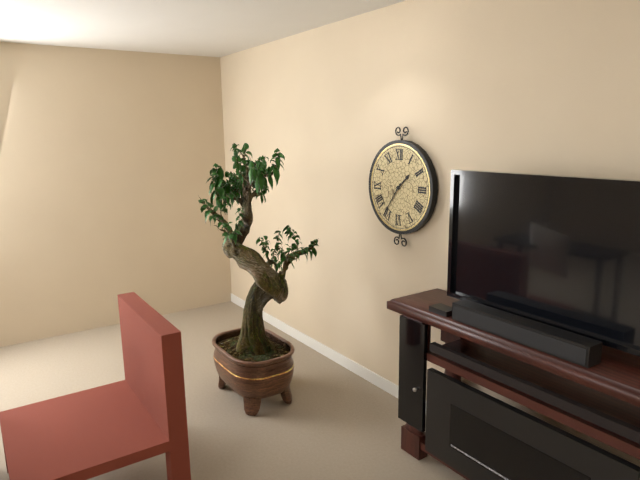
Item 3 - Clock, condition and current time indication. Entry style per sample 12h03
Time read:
1h36
